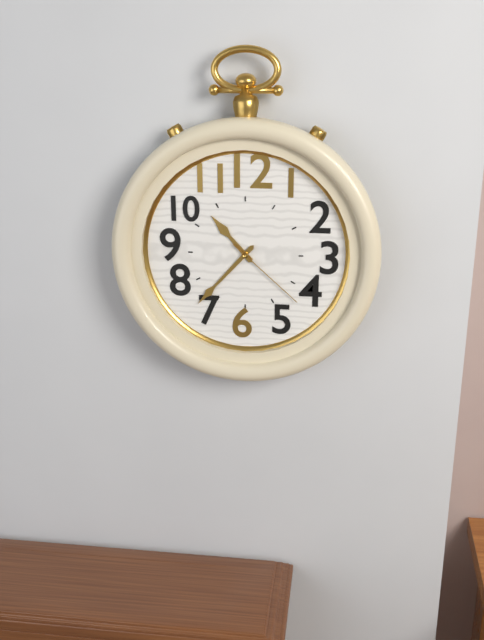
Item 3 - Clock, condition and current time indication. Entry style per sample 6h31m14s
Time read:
10h37m22s
